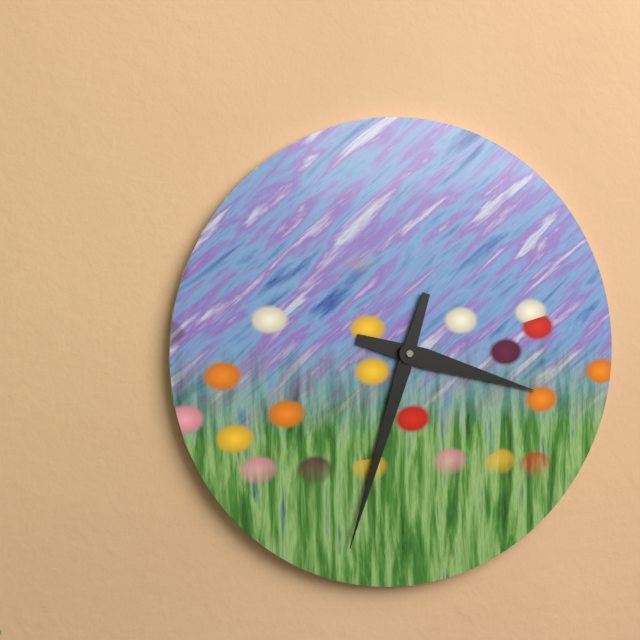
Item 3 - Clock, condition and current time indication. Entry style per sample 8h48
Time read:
3h33
